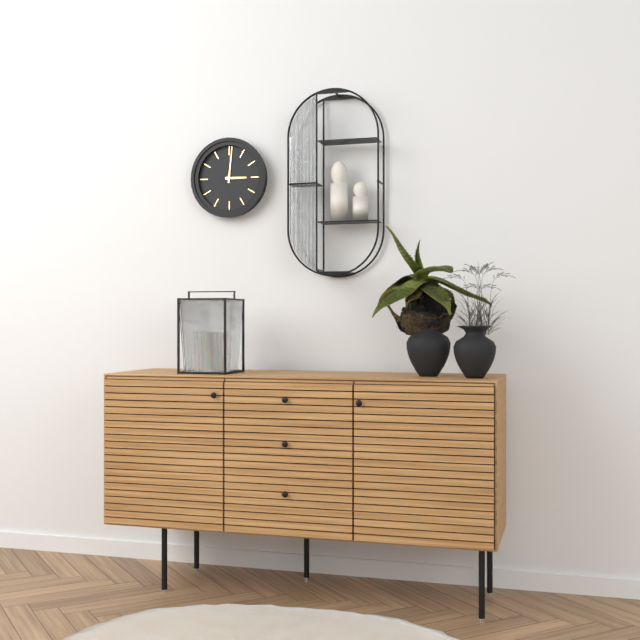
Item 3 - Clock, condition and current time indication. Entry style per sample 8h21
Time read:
3h01
